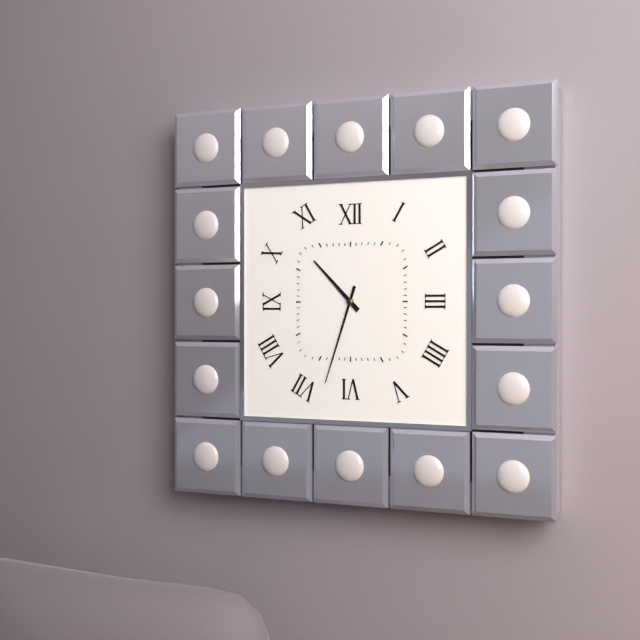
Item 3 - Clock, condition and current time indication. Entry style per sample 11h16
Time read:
10h33
